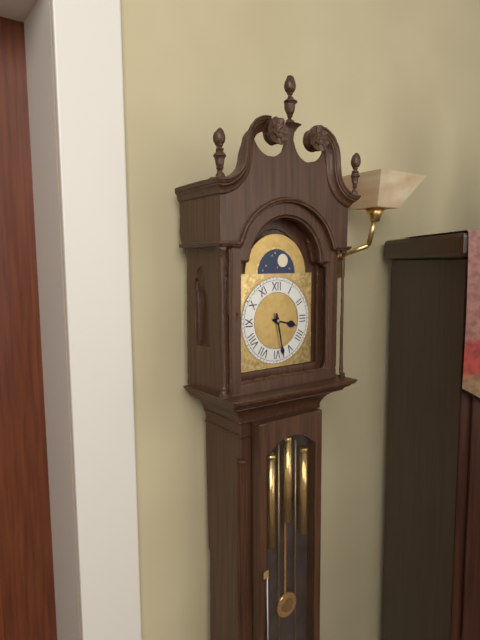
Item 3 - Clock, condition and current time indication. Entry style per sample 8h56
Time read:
3h28
